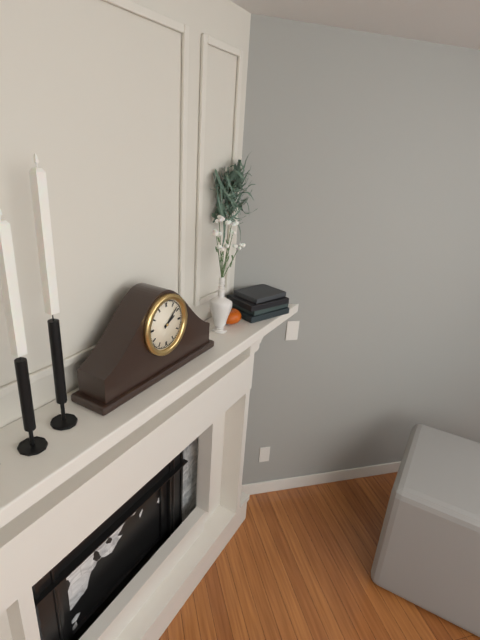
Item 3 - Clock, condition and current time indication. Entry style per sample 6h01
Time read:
2h08
